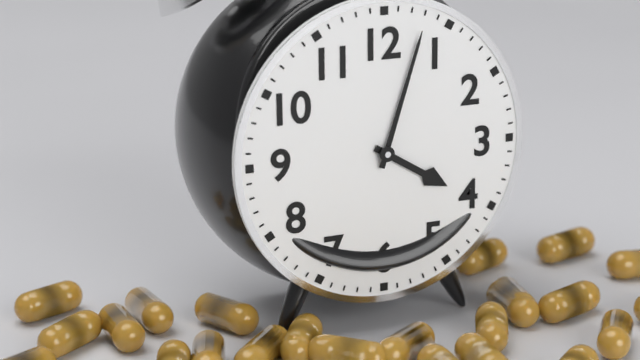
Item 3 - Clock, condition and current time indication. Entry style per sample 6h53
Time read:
4h03
